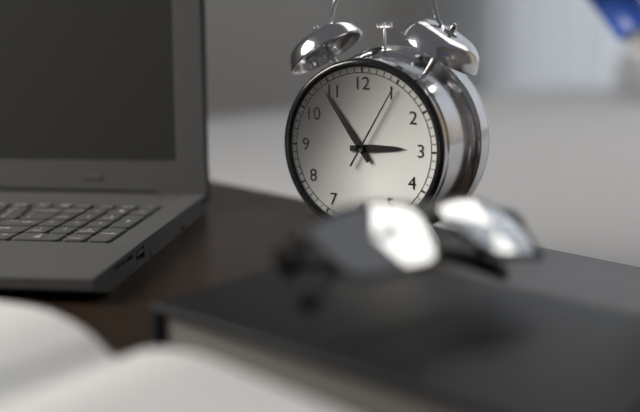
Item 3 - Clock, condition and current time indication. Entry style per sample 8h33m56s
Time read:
2h54m05s
